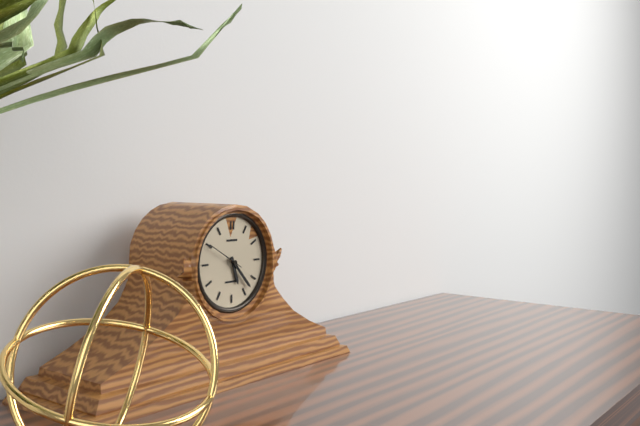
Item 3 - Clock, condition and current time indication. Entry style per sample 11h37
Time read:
5h23
